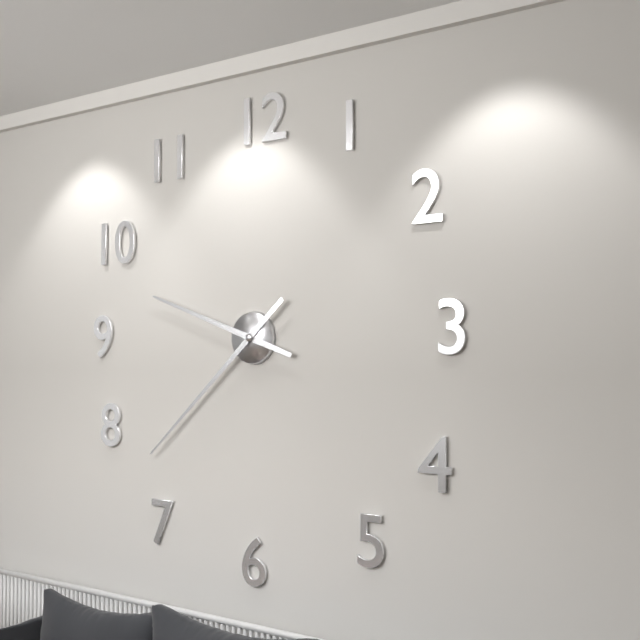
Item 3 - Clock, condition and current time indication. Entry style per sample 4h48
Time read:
9h38
